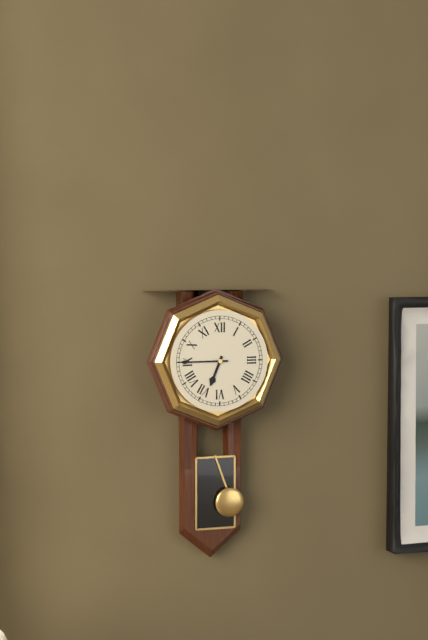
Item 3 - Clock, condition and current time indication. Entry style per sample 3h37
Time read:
6h45
